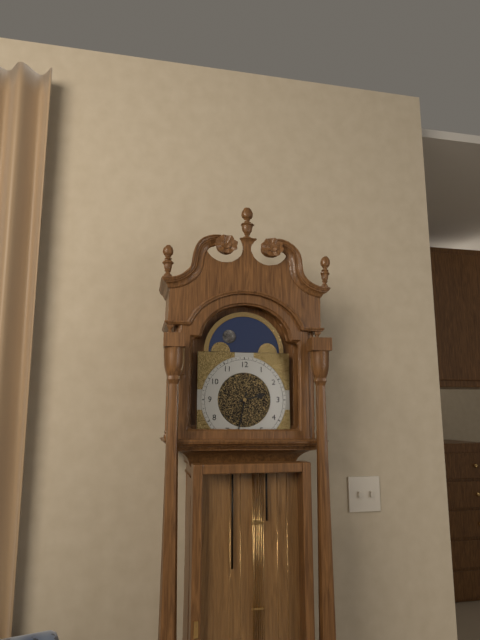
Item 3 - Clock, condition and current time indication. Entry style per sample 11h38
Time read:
2h32
